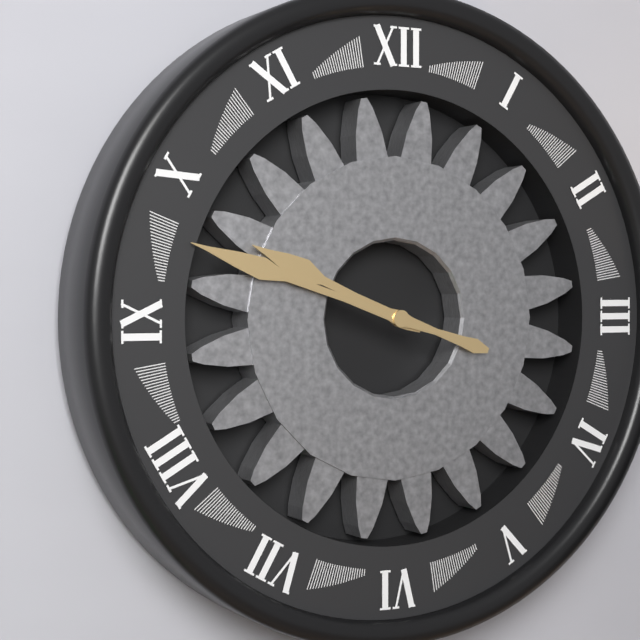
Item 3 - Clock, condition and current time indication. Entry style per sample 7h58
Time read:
9h48
